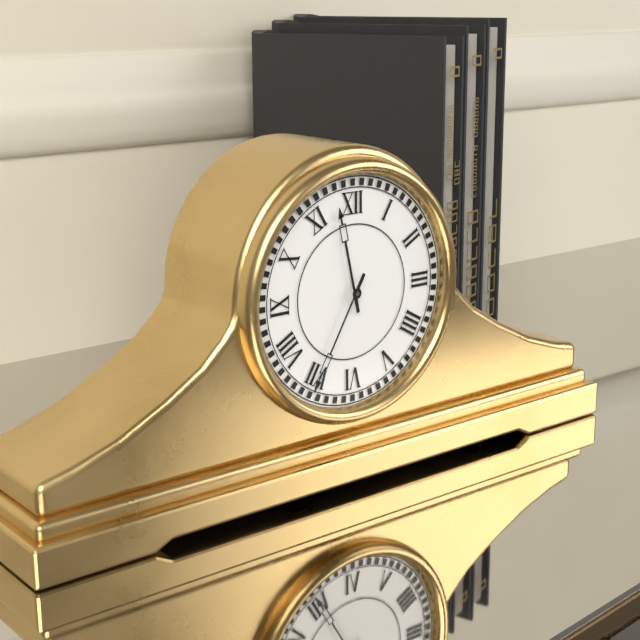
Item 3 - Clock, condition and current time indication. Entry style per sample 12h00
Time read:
11h35
